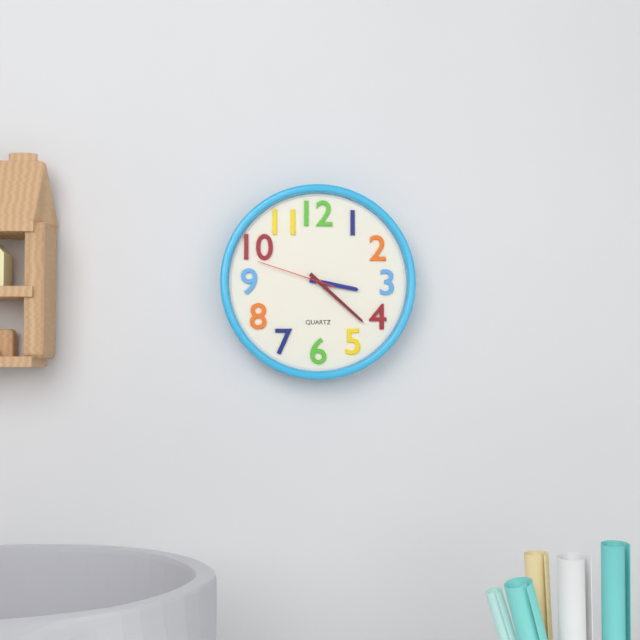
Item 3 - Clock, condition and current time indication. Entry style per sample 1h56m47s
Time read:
3h22m48s
